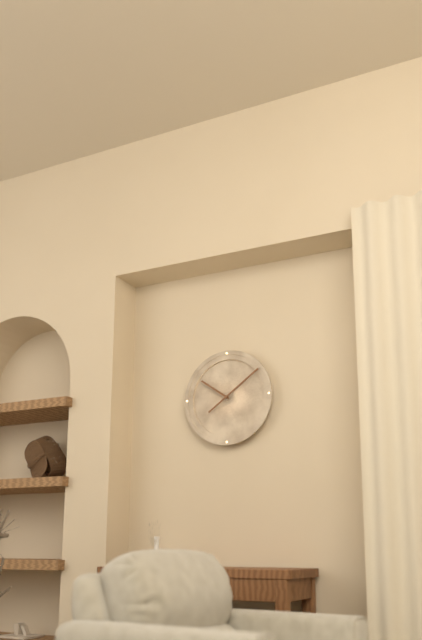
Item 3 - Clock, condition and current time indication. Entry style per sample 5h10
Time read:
10h09
